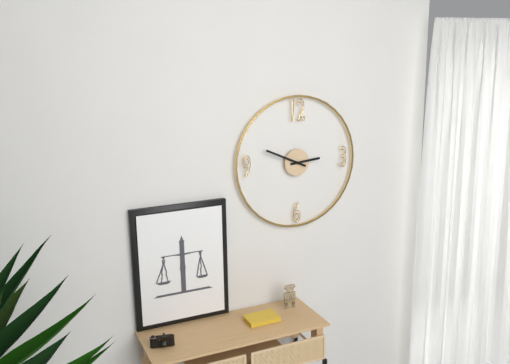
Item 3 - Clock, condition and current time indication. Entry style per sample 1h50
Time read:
2h49
